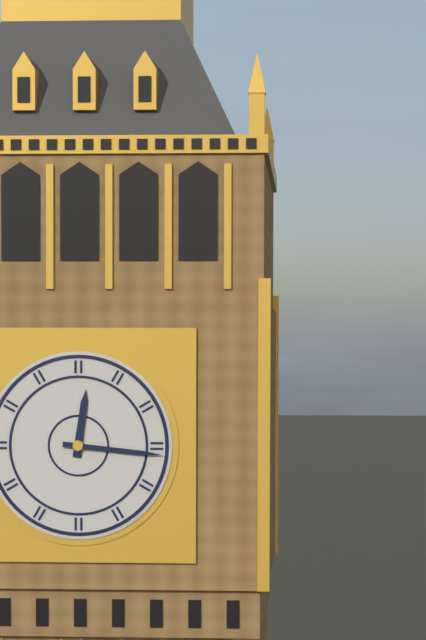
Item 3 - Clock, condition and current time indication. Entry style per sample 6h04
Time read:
12h16
